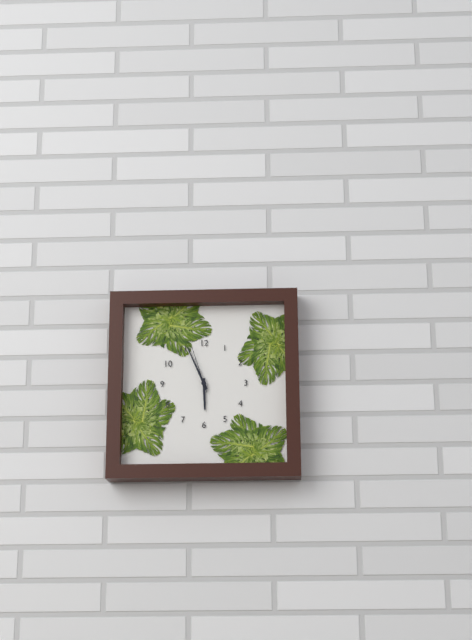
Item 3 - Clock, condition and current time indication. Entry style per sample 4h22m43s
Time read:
5h56m57s
